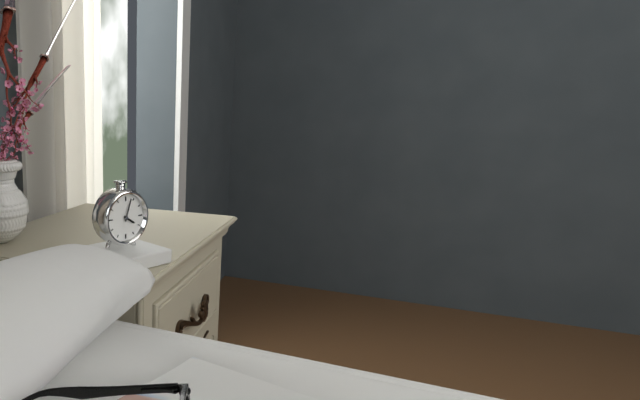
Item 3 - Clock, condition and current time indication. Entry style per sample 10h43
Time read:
4h03
